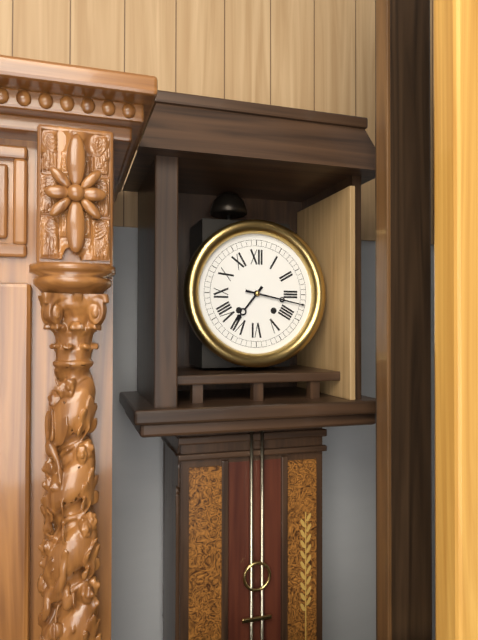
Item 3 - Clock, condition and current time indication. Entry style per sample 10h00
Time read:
7h17
